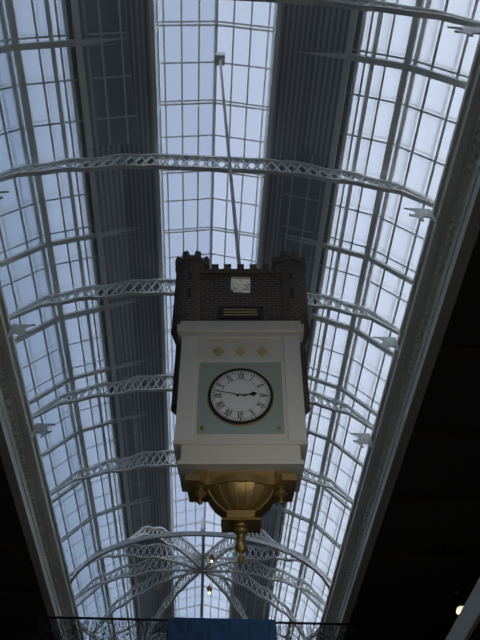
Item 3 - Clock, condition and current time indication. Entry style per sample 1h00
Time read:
2h47
